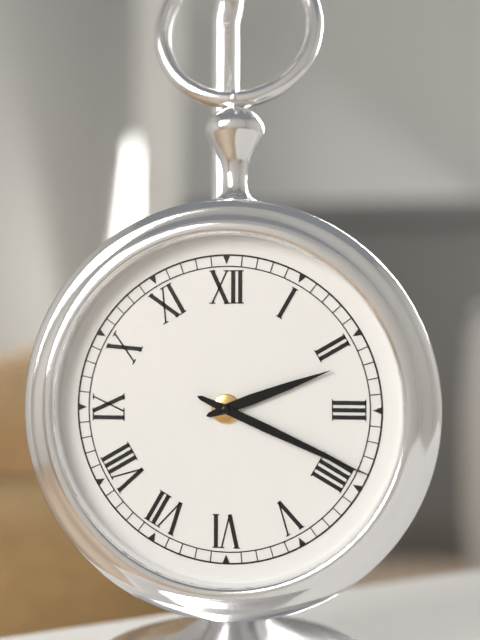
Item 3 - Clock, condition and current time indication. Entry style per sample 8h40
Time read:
2h19
